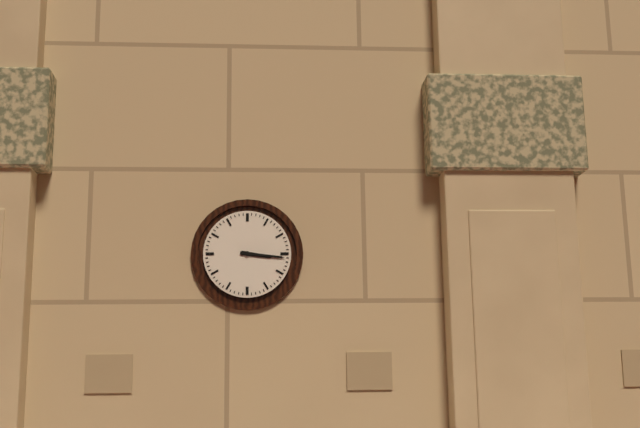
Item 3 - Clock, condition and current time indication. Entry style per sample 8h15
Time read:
3h16
